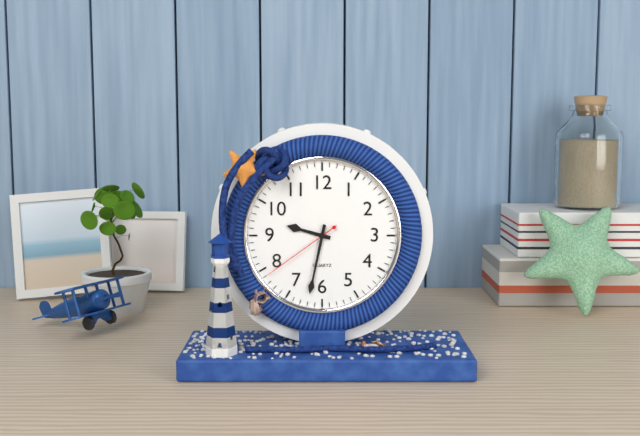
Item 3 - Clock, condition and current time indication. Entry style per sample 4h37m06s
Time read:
9h32m39s
